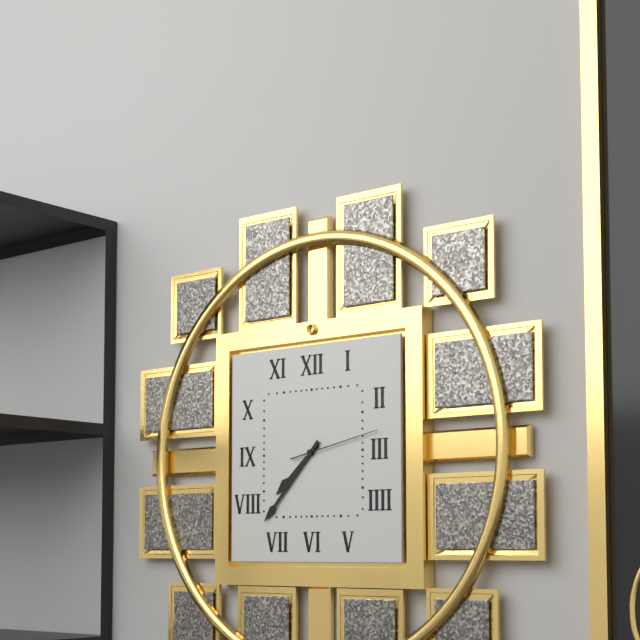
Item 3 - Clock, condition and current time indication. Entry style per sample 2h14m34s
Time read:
7h37m13s
